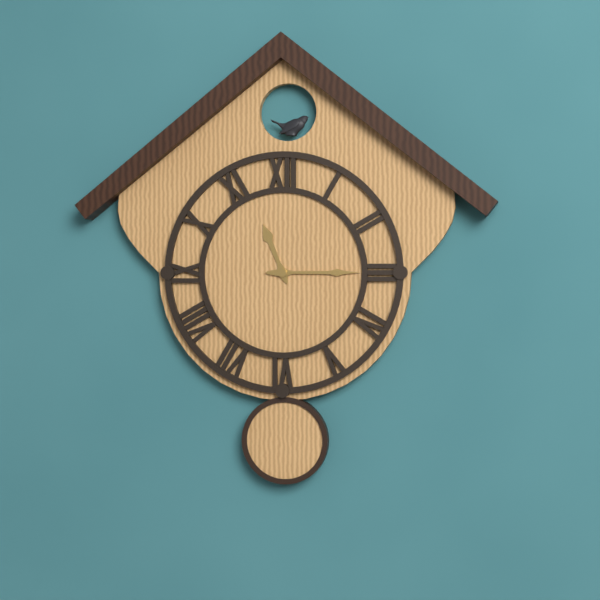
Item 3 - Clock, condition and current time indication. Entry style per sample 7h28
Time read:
11h15
